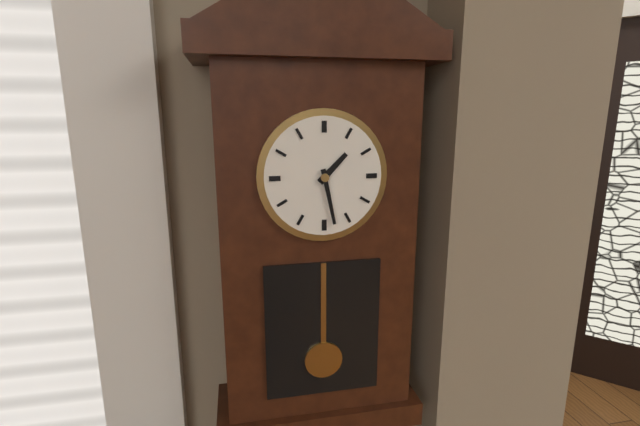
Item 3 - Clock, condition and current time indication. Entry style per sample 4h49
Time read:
1h28
